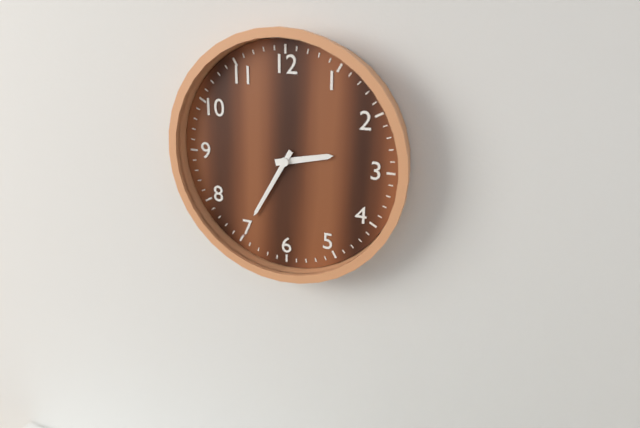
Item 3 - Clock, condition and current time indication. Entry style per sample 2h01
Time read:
2h35
